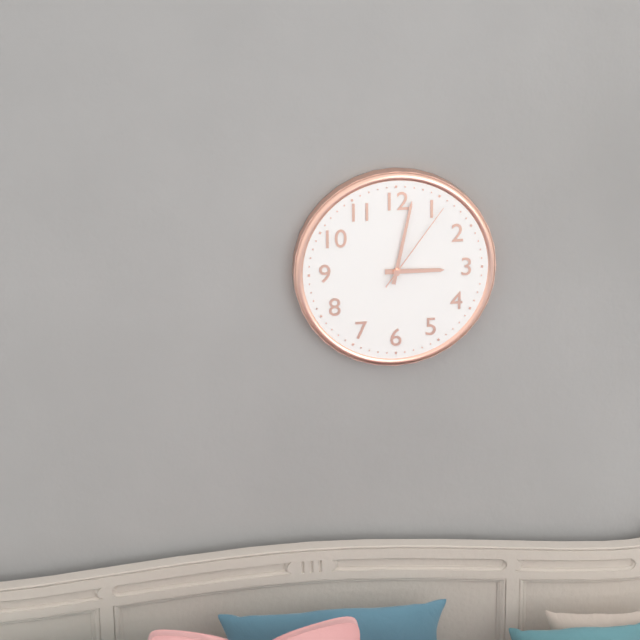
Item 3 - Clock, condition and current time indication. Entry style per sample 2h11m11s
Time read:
3h02m06s
